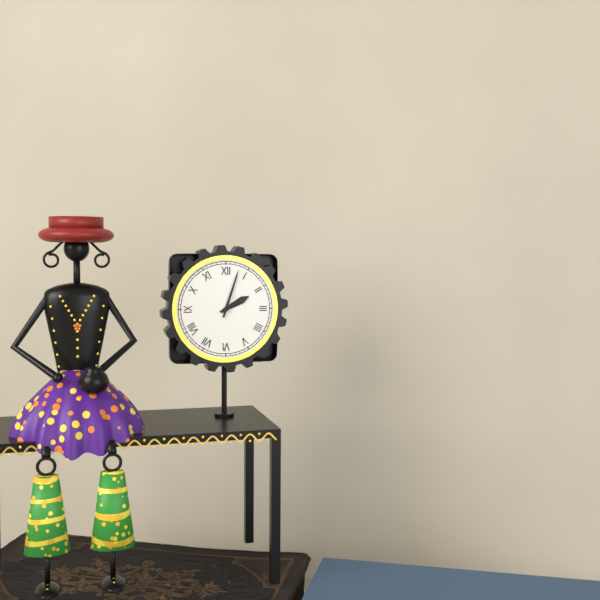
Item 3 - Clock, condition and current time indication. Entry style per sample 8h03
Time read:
2h03
